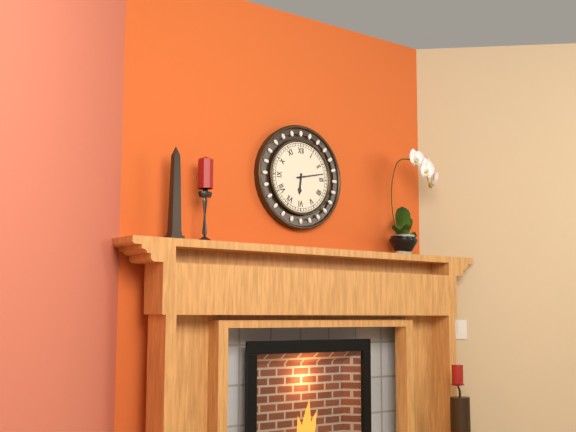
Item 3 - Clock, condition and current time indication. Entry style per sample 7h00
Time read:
6h13
